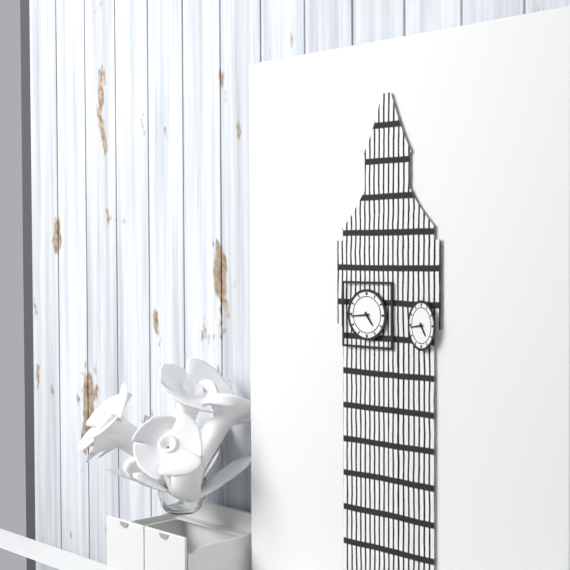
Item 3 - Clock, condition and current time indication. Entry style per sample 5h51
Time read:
4h44
